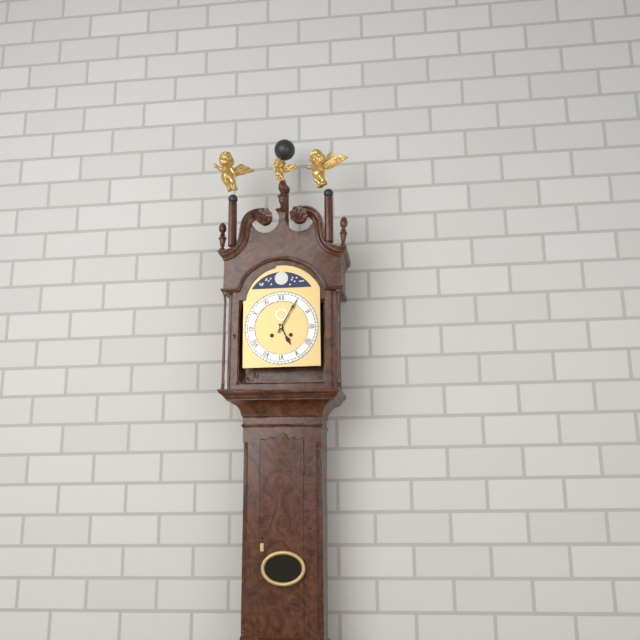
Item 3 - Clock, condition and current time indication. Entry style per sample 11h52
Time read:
5h05
